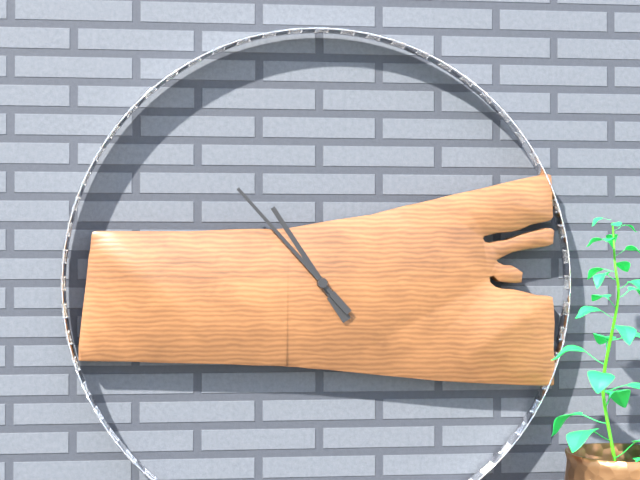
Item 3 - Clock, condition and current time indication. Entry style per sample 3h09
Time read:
10h53
